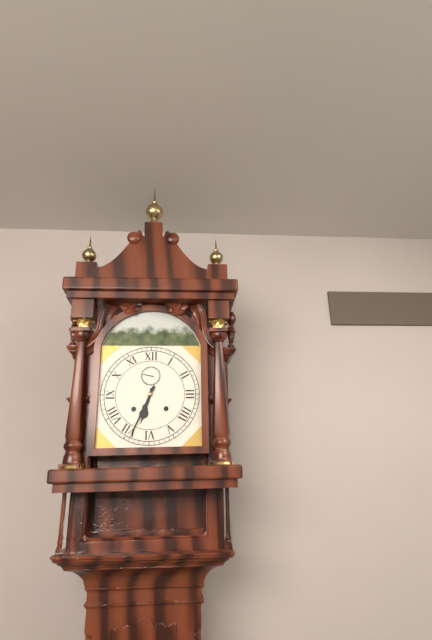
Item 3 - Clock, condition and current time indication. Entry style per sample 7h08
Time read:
6h34
